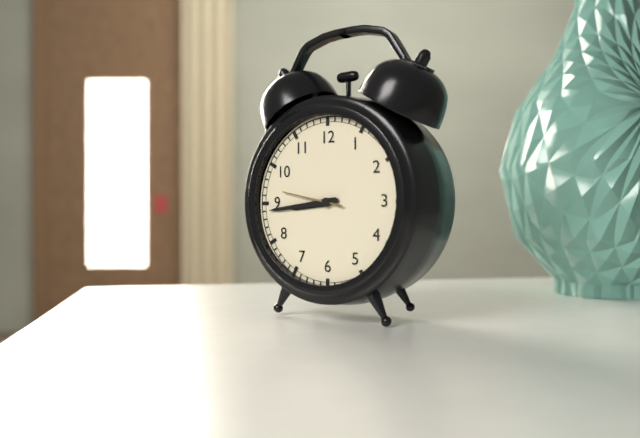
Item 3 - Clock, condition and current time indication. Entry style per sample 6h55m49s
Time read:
8h44m47s
